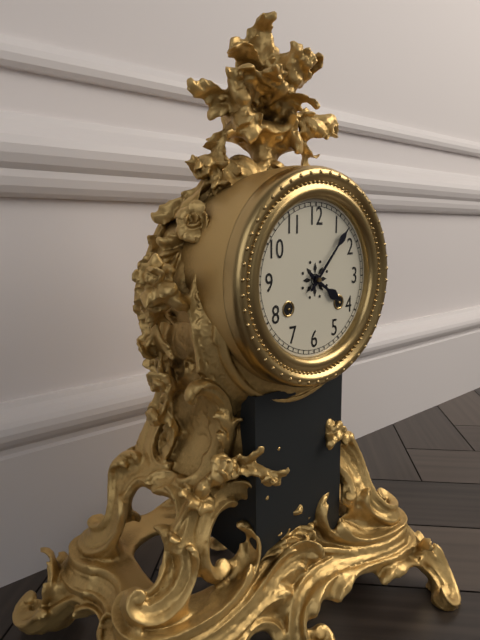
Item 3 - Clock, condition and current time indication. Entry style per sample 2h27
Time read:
4h07
